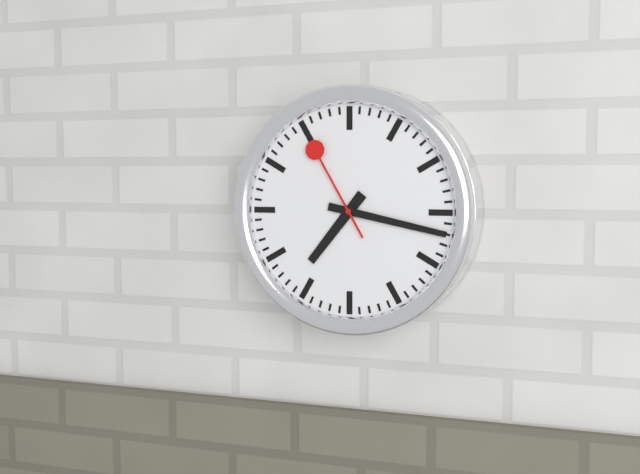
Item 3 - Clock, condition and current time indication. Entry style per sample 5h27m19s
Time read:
7h17m55s
